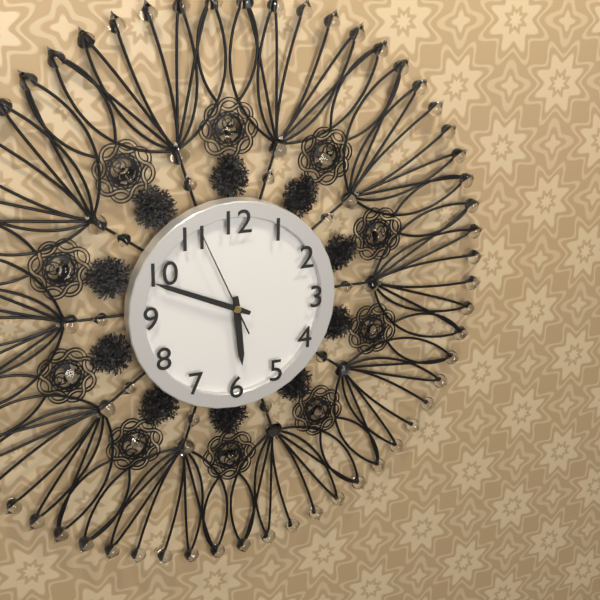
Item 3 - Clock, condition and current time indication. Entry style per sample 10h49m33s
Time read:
5h49m56s
